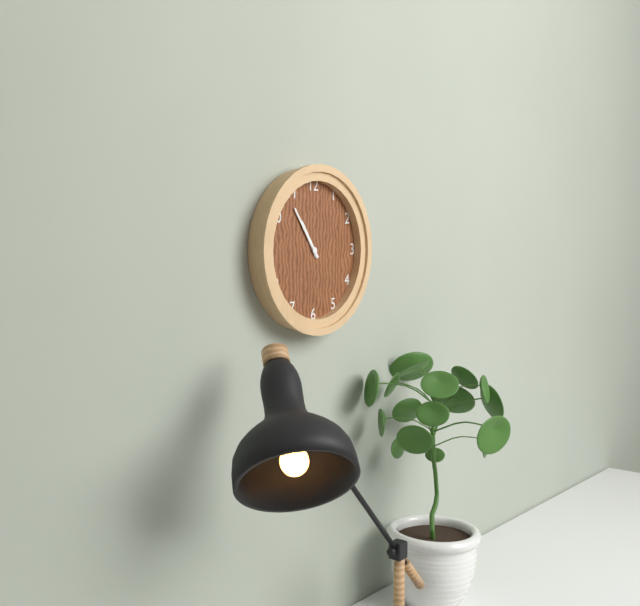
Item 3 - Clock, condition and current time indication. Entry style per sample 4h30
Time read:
10h54
